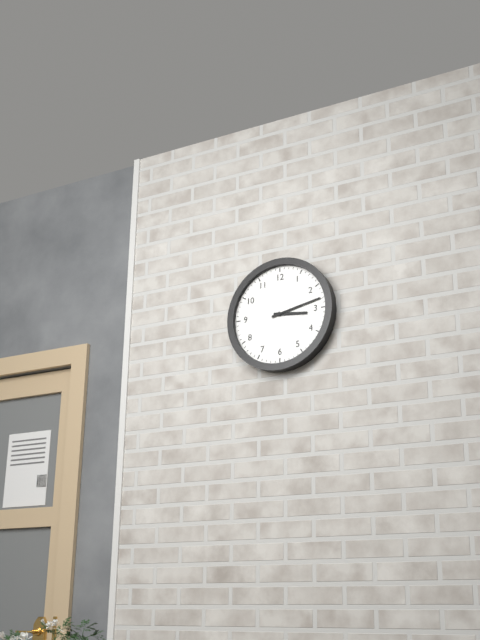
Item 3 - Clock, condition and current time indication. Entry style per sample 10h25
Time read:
3h13
